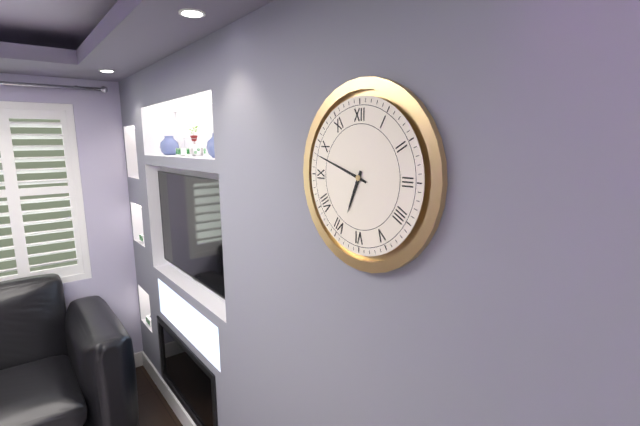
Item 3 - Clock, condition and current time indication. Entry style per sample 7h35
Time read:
6h48
